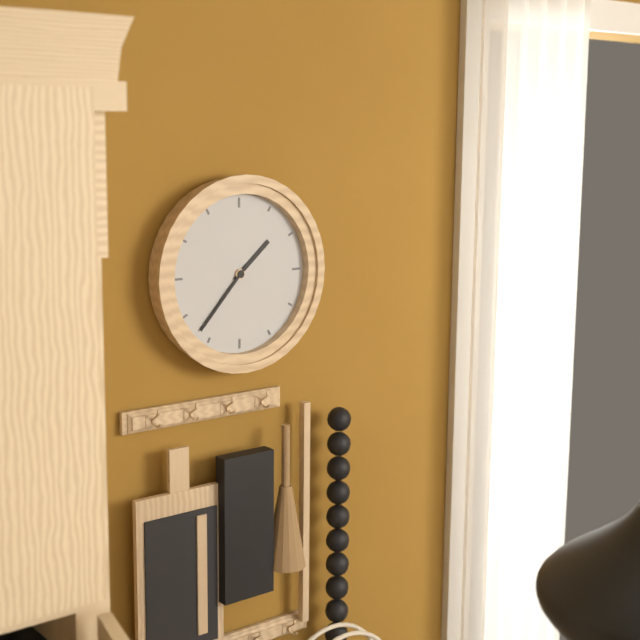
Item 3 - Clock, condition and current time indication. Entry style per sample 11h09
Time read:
1h37
